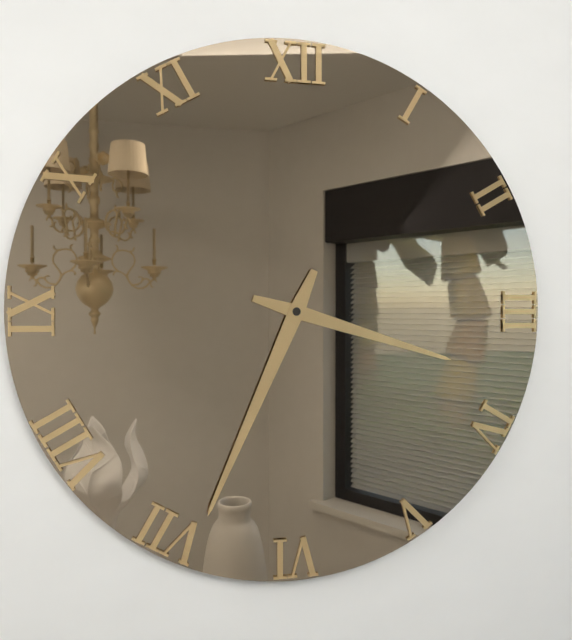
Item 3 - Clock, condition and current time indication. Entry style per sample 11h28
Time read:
3h34
